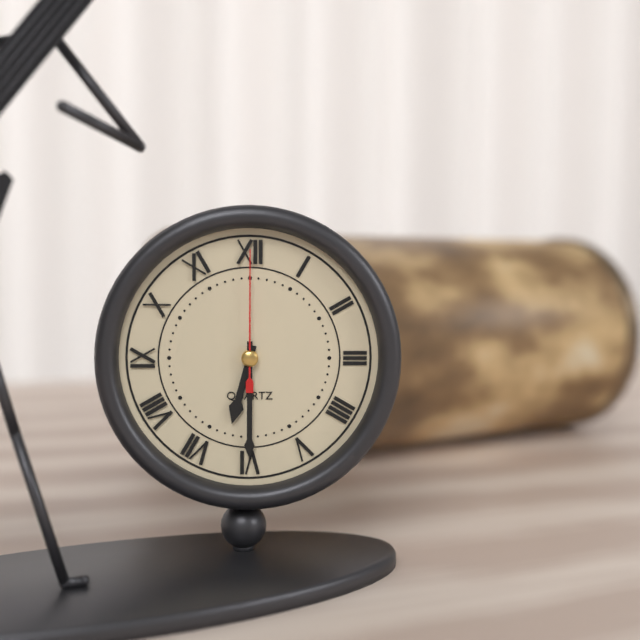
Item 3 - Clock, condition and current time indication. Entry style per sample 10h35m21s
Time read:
6h30m00s
